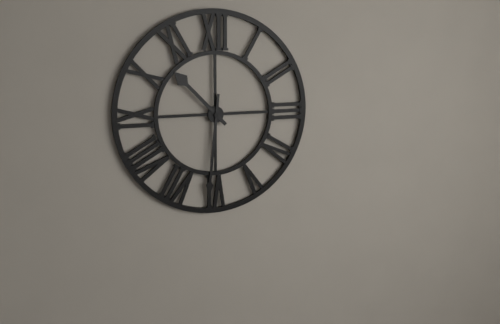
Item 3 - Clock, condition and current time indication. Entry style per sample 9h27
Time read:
10h31
